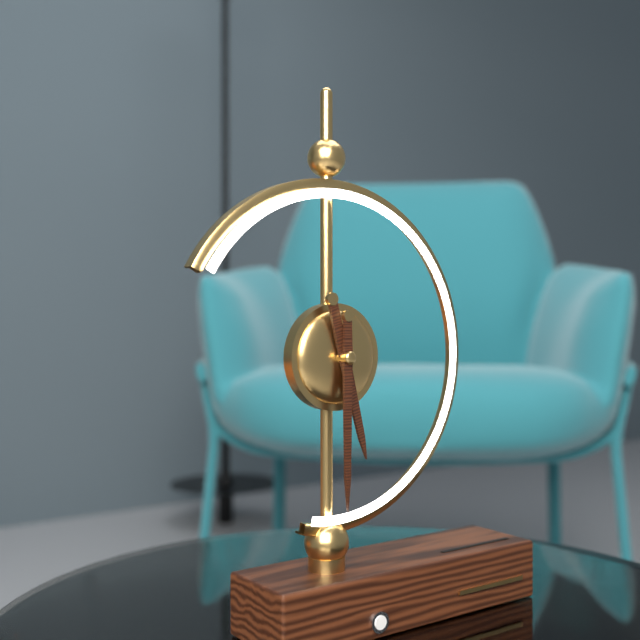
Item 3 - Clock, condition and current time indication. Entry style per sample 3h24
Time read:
5h30
